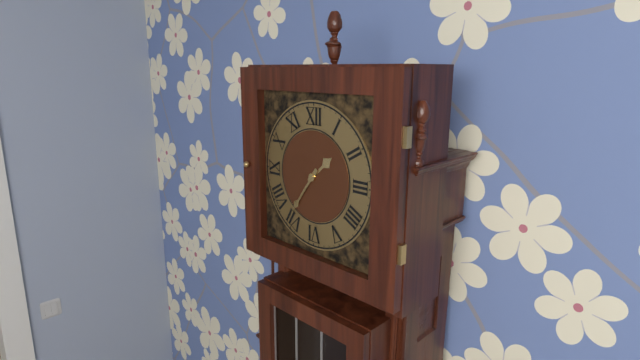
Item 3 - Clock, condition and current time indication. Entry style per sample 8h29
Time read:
1h36
